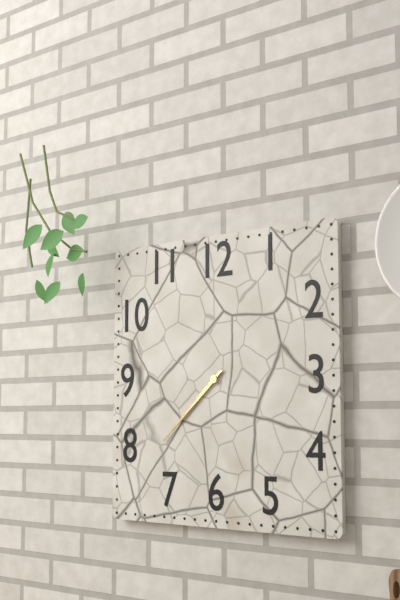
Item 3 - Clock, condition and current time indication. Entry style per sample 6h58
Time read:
7h38
